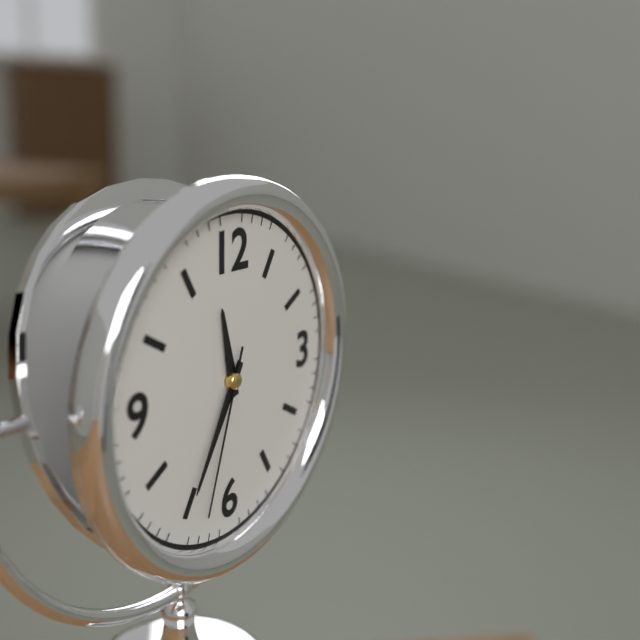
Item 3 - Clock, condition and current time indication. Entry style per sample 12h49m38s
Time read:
11h35m33s
